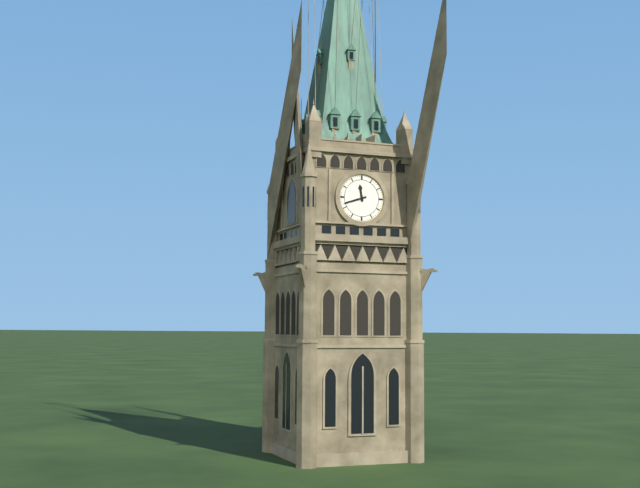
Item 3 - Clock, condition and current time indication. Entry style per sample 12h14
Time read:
11h42
